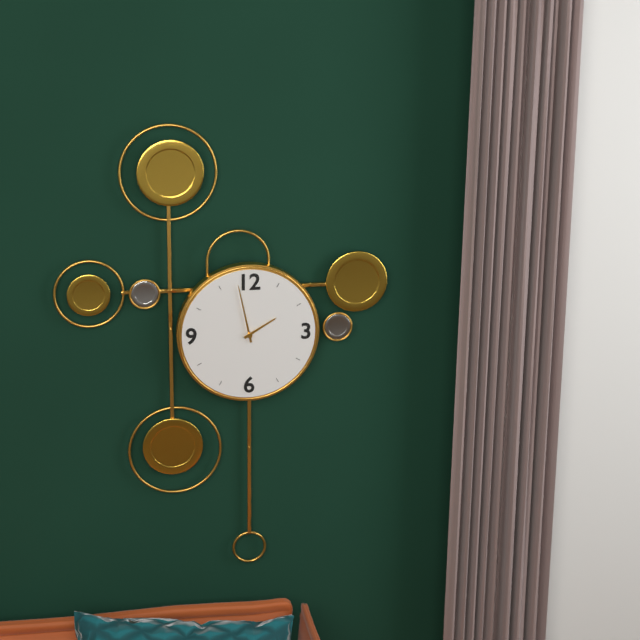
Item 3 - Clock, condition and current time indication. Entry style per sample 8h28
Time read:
1h58
